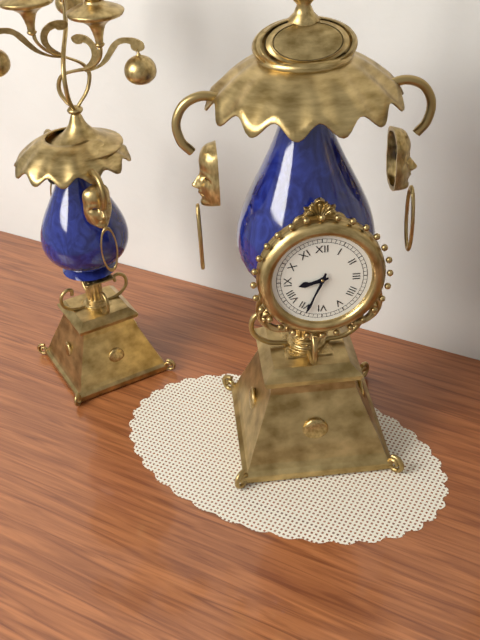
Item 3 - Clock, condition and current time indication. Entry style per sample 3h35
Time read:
8h34
